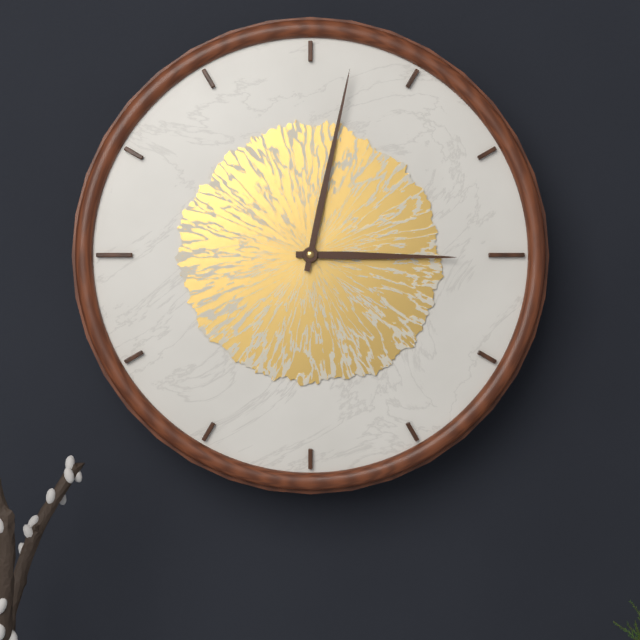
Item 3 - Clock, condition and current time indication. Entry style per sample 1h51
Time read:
3h02
